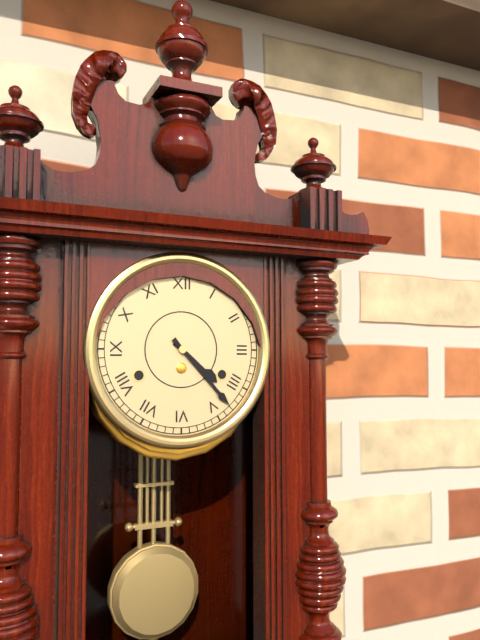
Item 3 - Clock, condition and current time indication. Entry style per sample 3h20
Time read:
4h23
